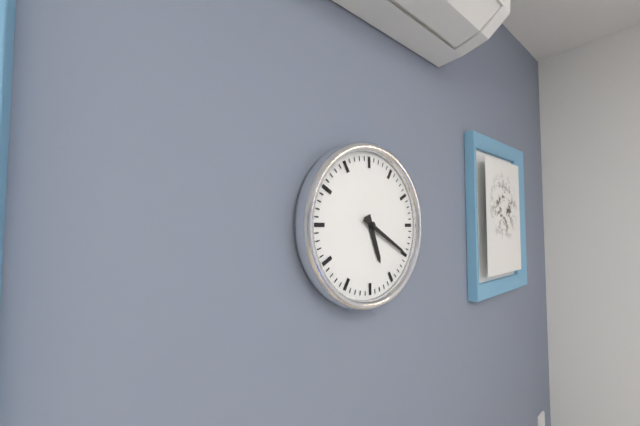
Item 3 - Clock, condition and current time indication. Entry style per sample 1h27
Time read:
5h20
